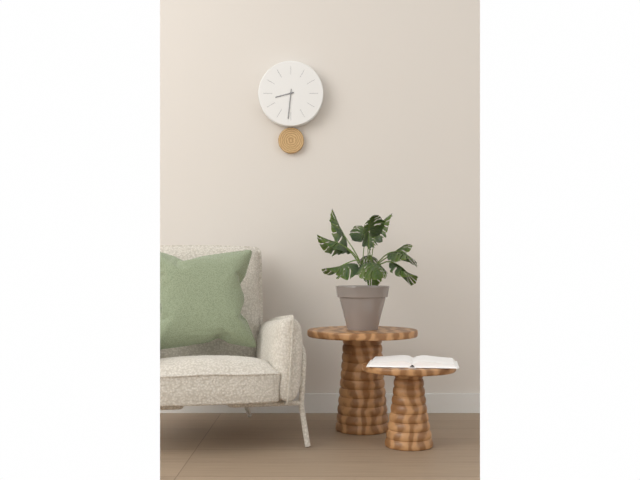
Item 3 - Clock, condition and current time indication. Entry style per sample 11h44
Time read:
8h31
